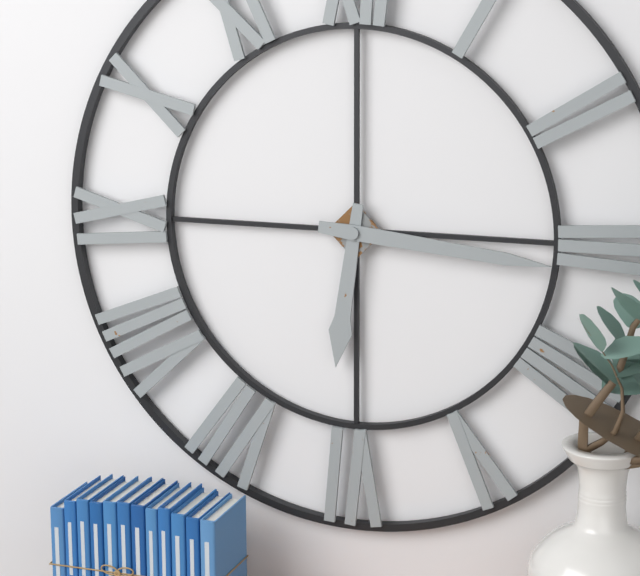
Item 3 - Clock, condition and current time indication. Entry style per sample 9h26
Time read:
6h16
